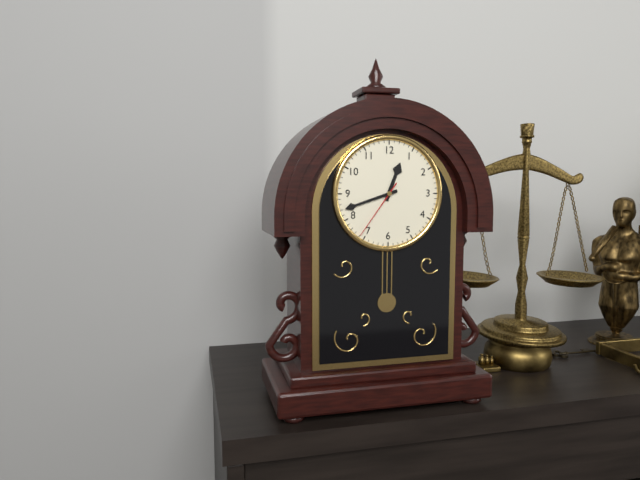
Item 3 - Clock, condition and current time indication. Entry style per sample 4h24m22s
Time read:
12h42m36s
